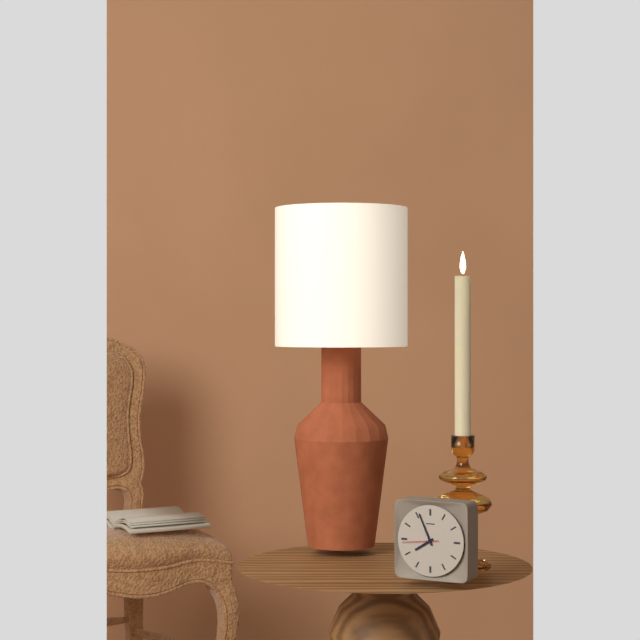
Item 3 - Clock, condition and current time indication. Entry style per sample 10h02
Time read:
7h56
